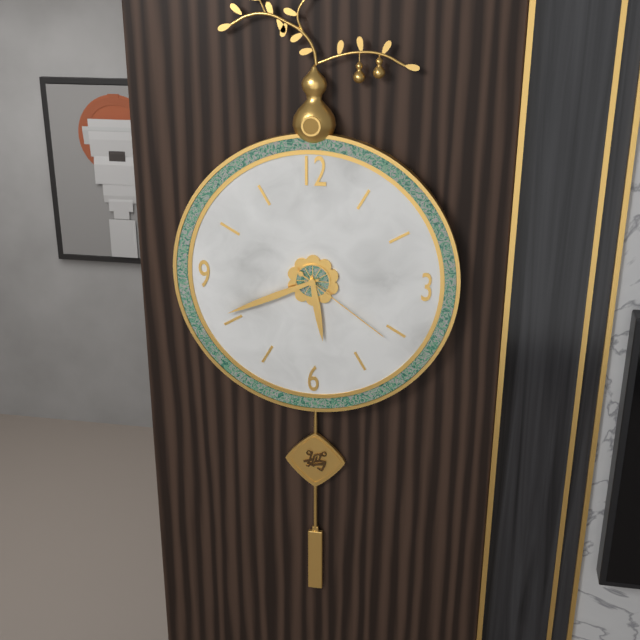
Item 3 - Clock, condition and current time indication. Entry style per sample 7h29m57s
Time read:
5h41m21s
